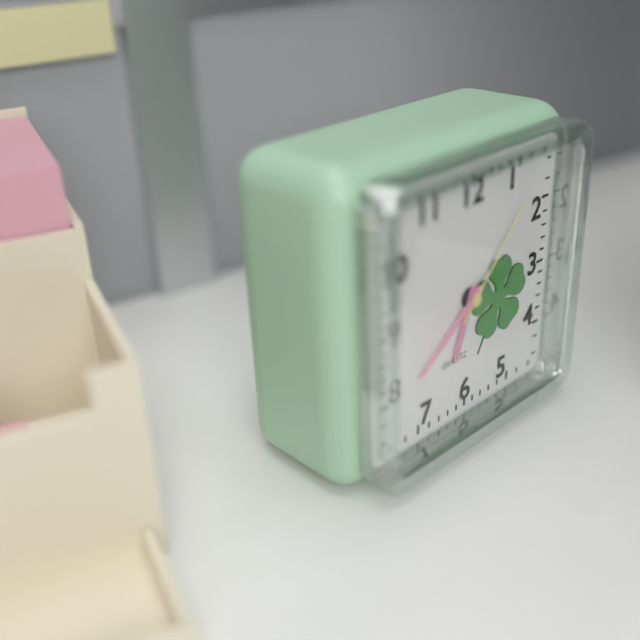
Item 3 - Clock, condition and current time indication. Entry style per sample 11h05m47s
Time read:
6h39m07s
